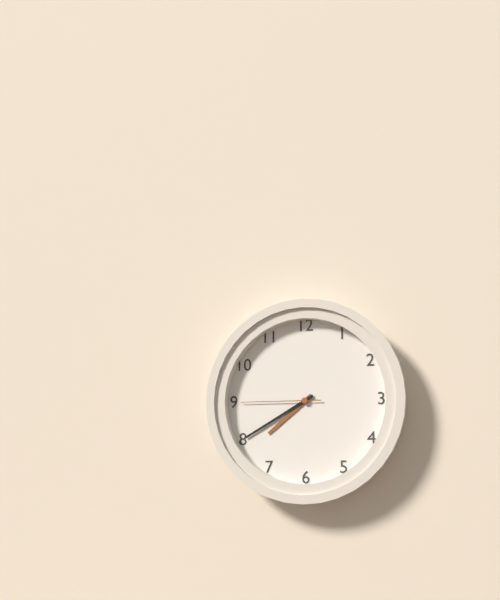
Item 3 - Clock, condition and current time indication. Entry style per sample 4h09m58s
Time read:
7h40m45s
